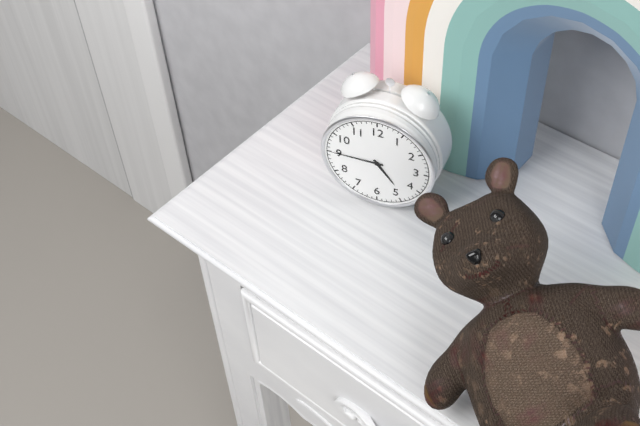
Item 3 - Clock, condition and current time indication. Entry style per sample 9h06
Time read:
4h45
